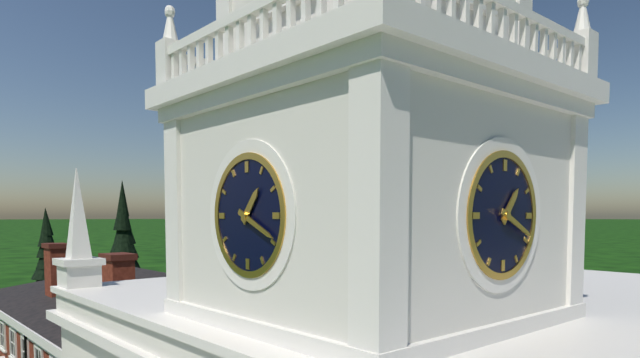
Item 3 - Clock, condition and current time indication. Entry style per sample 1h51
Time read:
1h19
